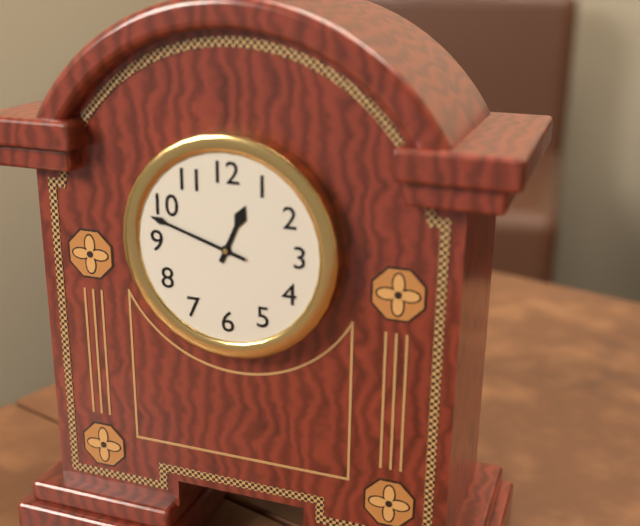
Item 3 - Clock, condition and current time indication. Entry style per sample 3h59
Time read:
12h48
